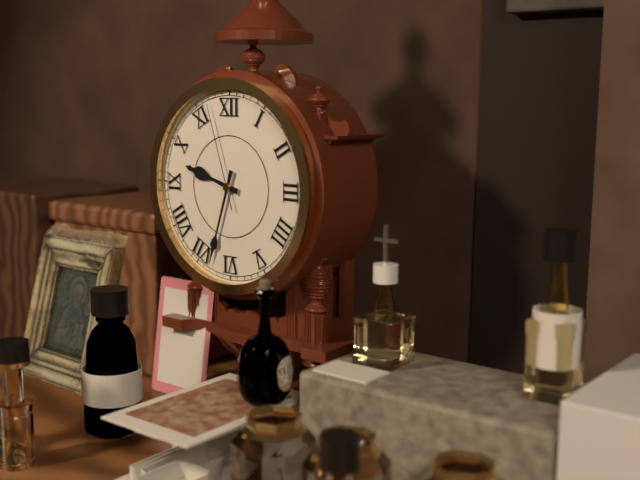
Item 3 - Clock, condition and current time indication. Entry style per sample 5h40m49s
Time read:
9h33m57s
